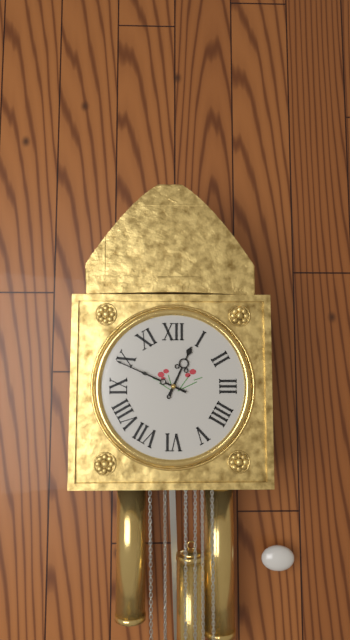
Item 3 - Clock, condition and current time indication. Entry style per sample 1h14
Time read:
12h49
